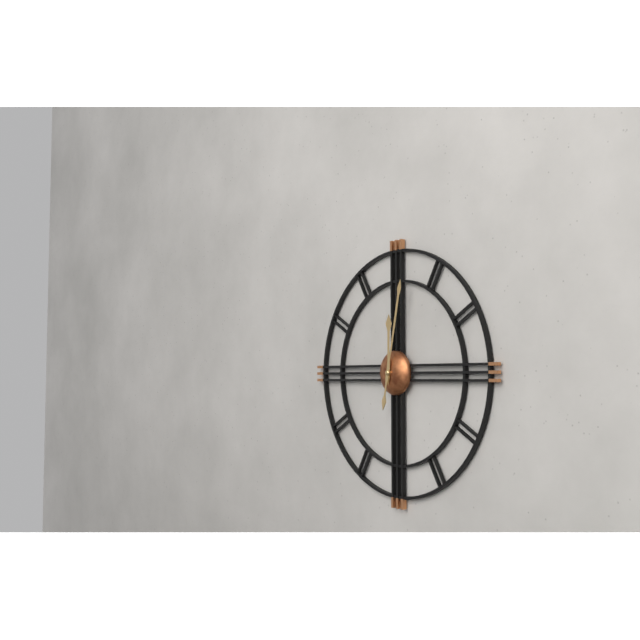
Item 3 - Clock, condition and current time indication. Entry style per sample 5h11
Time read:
12h02
